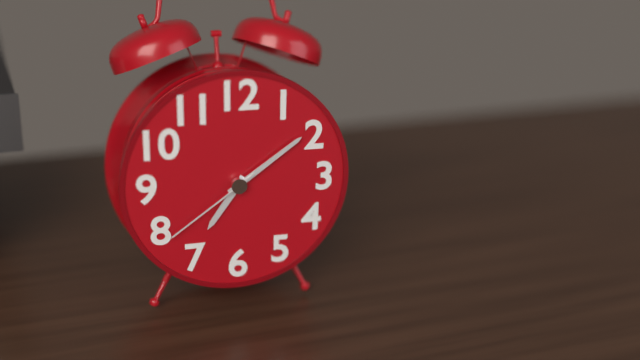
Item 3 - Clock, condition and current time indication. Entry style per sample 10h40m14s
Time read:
7h09m39s
